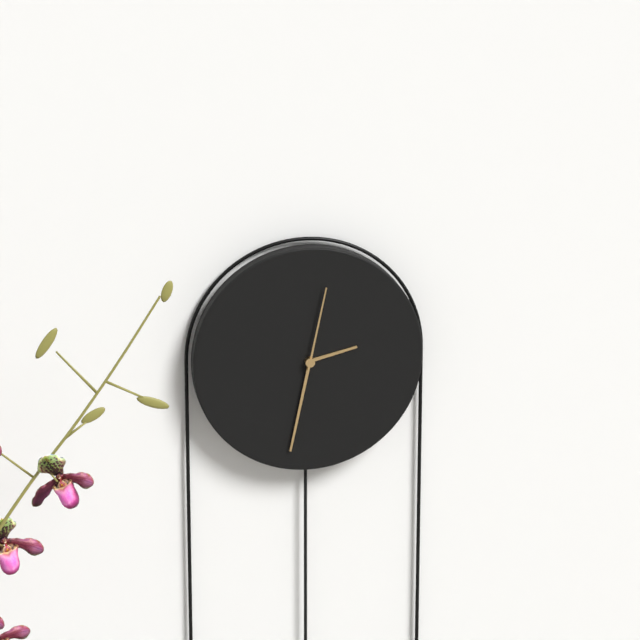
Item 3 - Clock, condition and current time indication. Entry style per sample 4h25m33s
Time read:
2h32m02s
